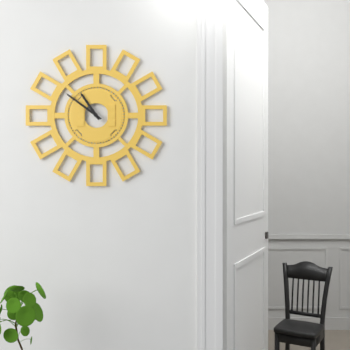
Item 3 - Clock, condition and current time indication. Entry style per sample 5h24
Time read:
10h51
